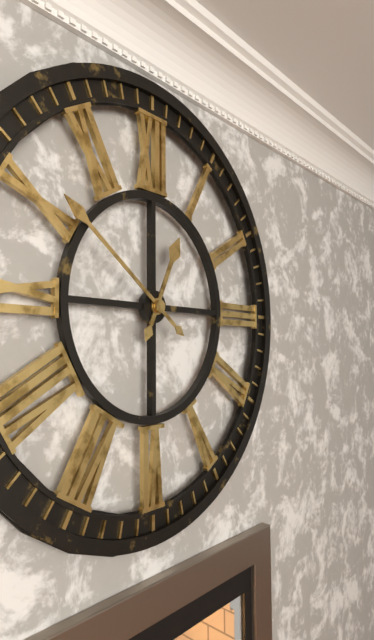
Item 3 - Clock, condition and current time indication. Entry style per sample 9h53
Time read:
12h51
